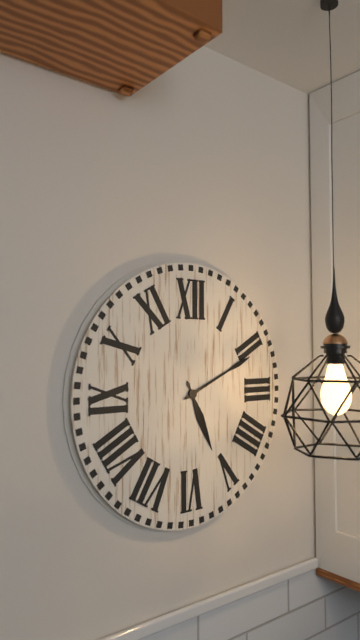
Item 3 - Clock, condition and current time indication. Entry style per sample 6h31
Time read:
5h11
